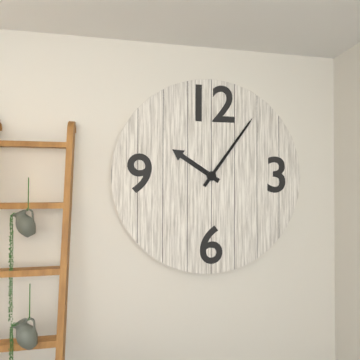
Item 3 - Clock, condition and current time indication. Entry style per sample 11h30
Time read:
10h06
